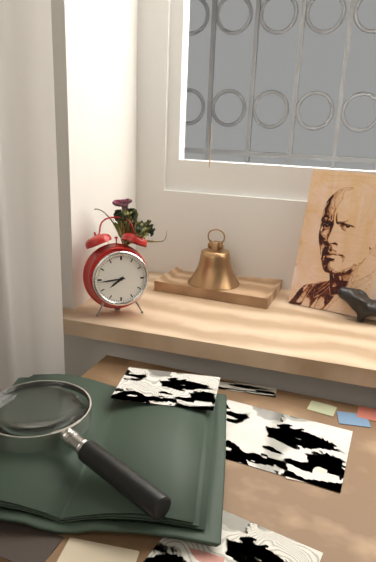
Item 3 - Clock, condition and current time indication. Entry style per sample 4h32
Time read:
7h44
